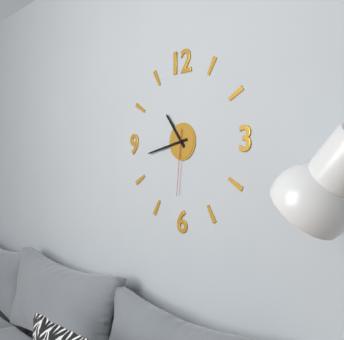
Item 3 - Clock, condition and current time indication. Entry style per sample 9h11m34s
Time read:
10h43m31s
